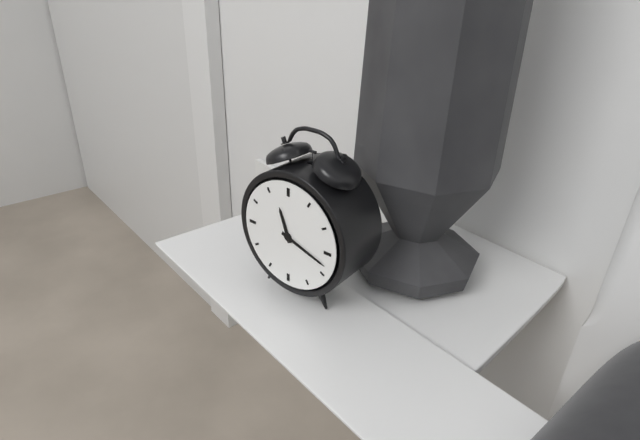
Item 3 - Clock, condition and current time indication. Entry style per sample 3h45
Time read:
11h18
